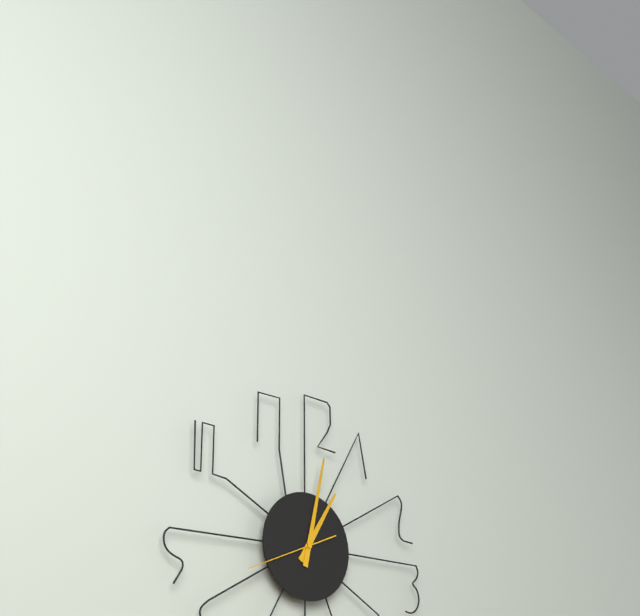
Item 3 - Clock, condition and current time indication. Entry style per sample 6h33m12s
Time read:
1h02m41s
